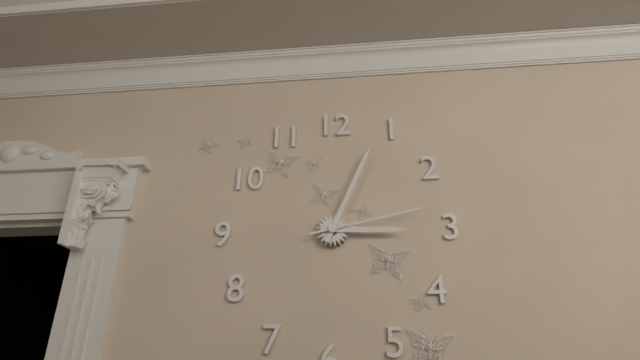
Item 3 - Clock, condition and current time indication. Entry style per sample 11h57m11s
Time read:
3h04m13s
